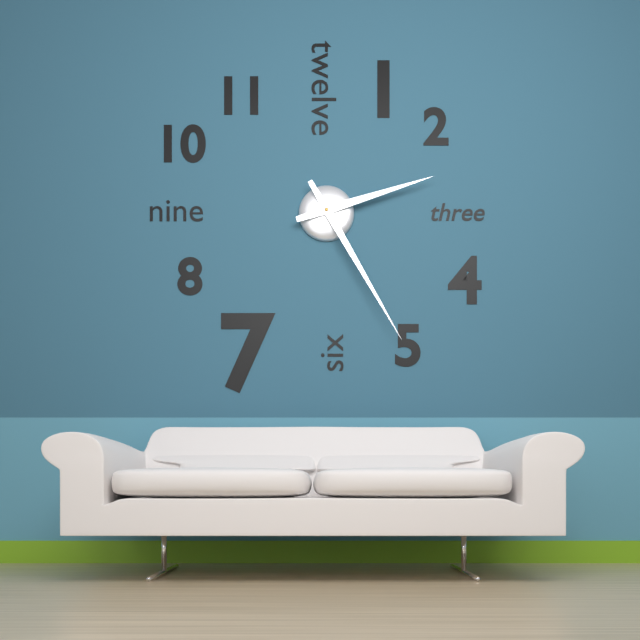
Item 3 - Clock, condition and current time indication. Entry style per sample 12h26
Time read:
2h25
